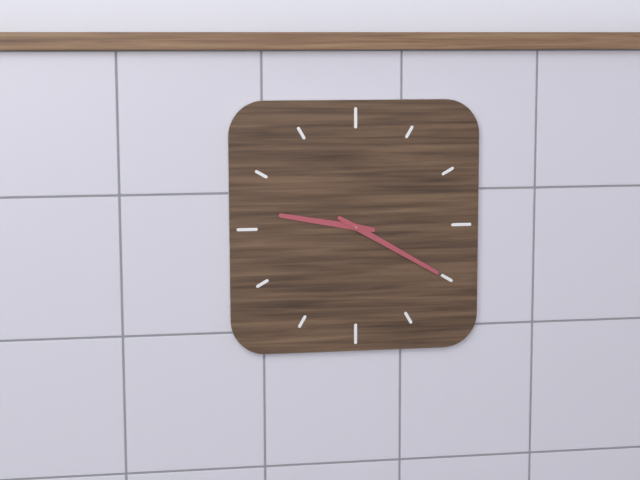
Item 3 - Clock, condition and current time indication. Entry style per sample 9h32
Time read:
9h20
